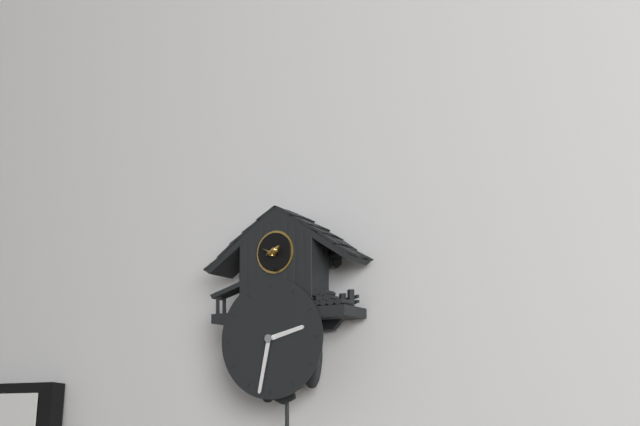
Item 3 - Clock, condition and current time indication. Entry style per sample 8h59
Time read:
2h32
